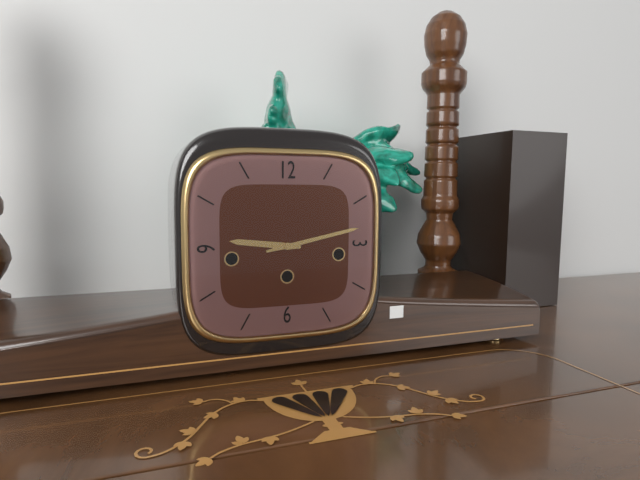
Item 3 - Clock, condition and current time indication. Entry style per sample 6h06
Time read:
9h13
